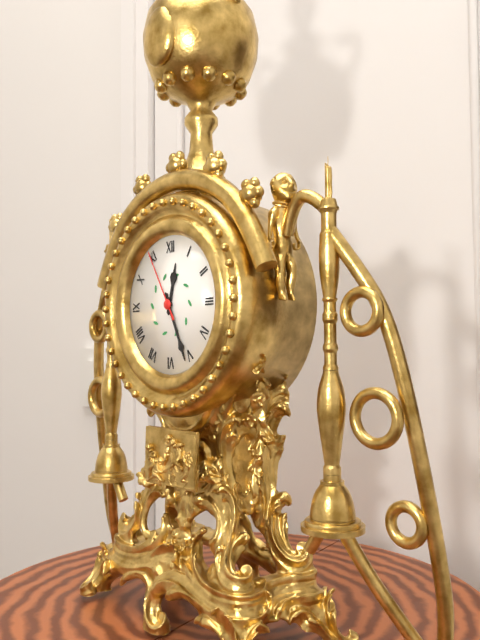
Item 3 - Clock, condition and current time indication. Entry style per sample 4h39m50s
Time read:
12h26m55s
